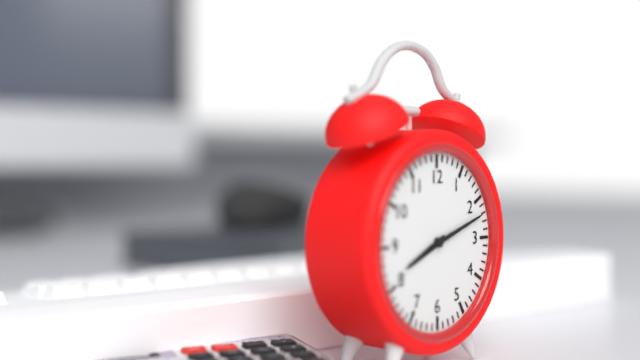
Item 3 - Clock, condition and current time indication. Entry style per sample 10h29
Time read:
8h12
